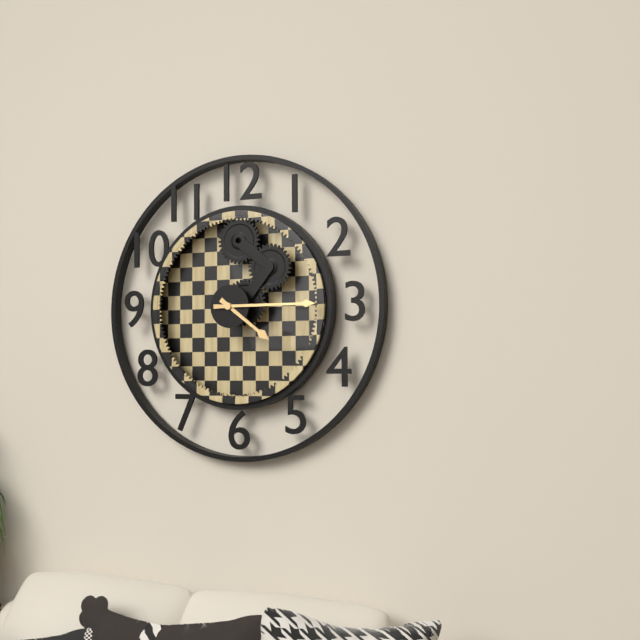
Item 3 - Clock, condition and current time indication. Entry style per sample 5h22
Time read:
4h15
